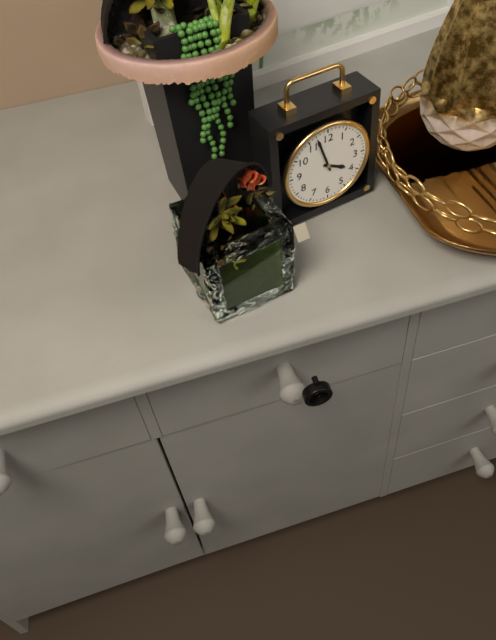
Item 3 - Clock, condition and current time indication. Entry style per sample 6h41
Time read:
3h57
